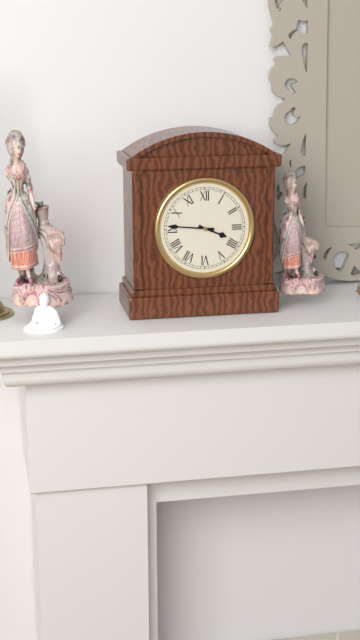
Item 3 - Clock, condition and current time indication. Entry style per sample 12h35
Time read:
3h46
